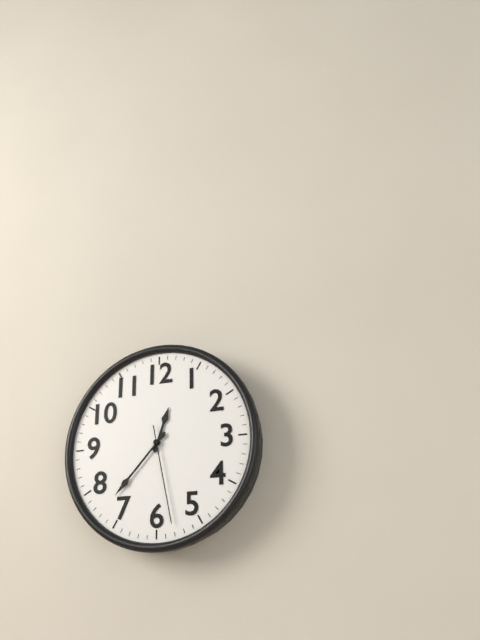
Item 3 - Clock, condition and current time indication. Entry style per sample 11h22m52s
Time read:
12h37m28s
